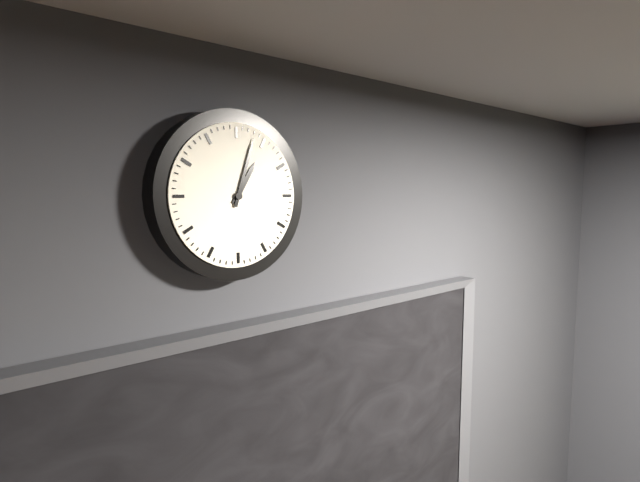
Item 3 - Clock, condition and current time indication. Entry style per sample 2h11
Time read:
1h03
